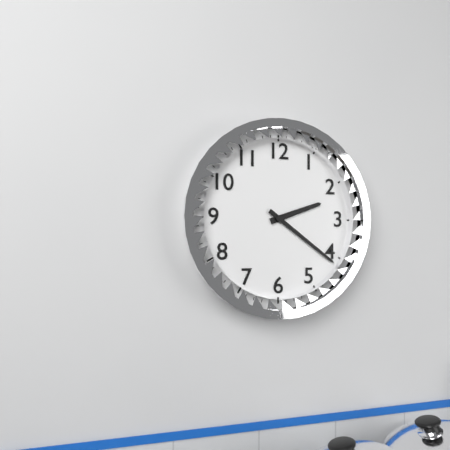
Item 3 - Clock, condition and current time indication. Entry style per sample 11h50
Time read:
2h21
